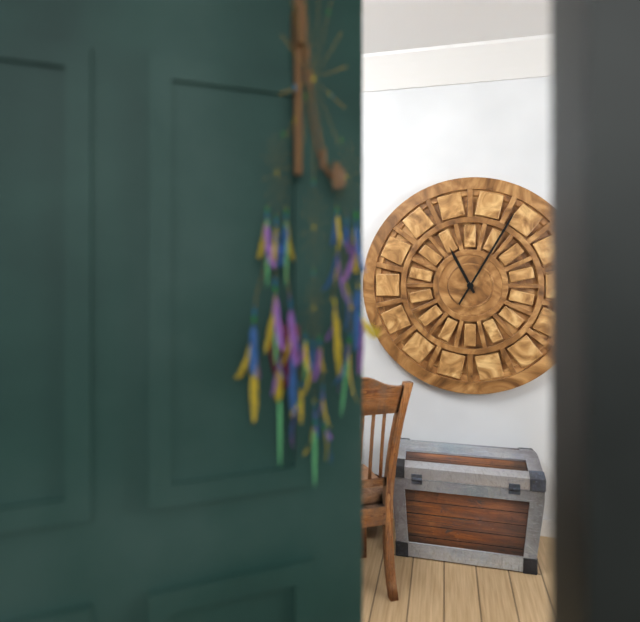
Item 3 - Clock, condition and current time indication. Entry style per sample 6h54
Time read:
11h05
